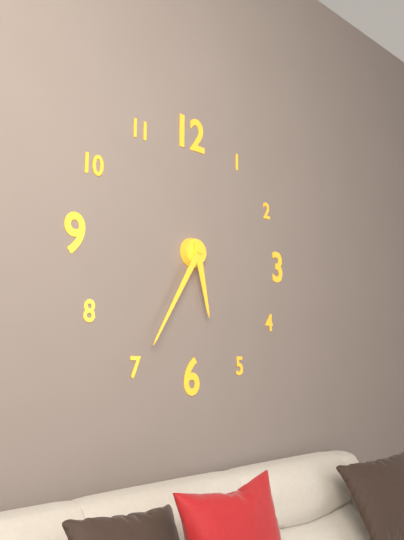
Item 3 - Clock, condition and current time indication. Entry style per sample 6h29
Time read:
5h35
